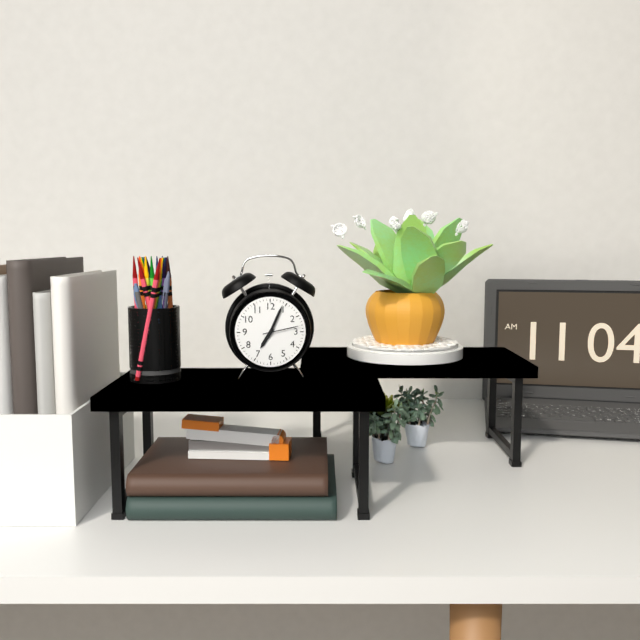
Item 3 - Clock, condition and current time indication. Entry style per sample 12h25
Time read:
7h04
